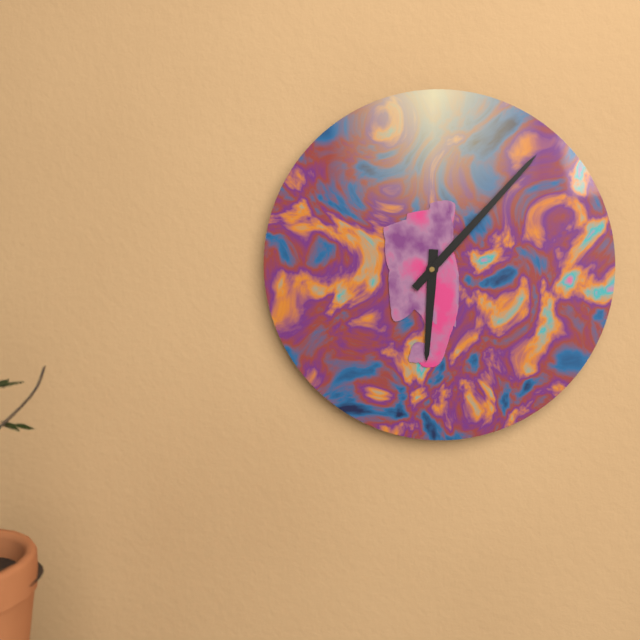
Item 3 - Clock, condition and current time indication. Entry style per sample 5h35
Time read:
6h07
